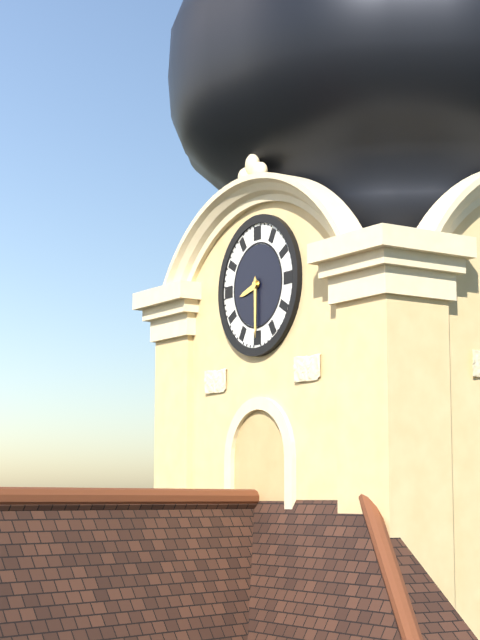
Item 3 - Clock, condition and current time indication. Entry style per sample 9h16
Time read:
8h30
